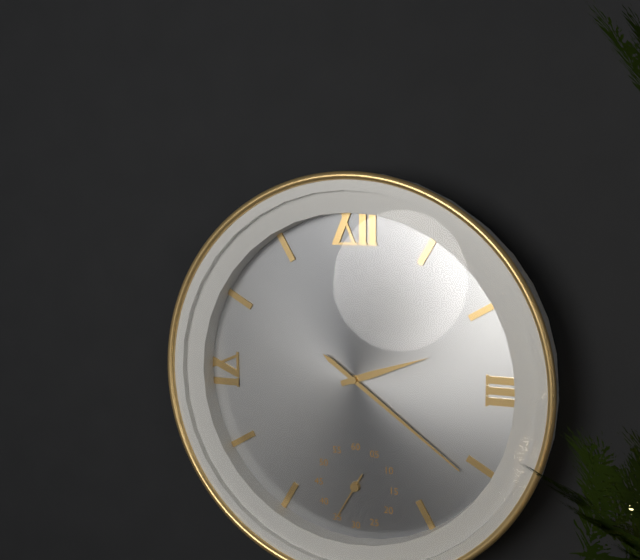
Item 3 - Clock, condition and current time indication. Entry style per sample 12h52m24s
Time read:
2h21m35s
